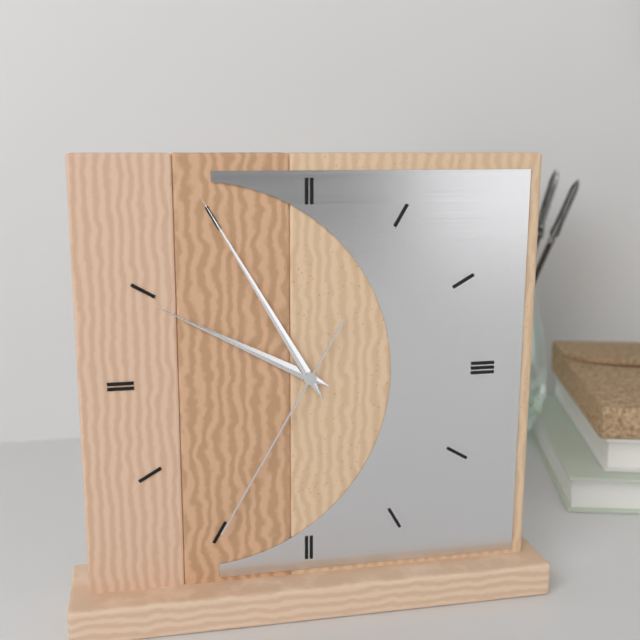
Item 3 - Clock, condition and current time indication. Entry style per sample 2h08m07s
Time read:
9h55m35s
